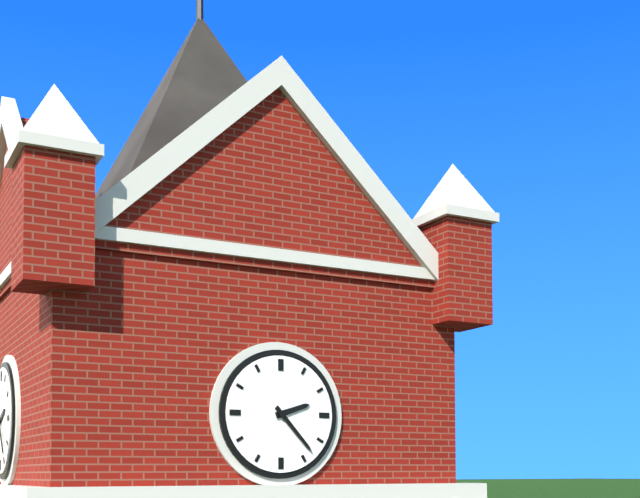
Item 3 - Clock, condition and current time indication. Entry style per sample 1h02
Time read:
2h23
